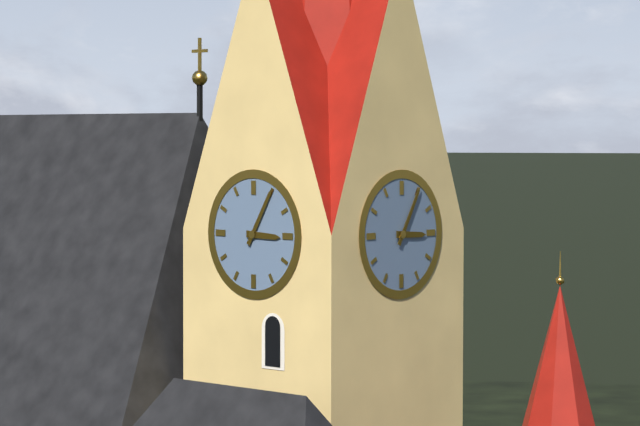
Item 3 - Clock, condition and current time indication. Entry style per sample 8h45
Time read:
3h05
